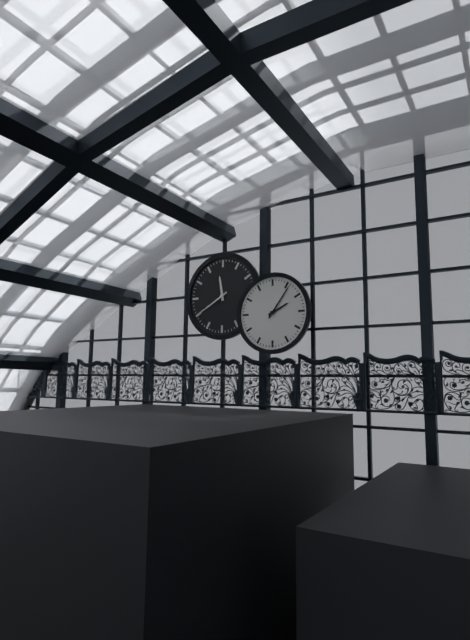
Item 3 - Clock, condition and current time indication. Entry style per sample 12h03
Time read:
2h06
